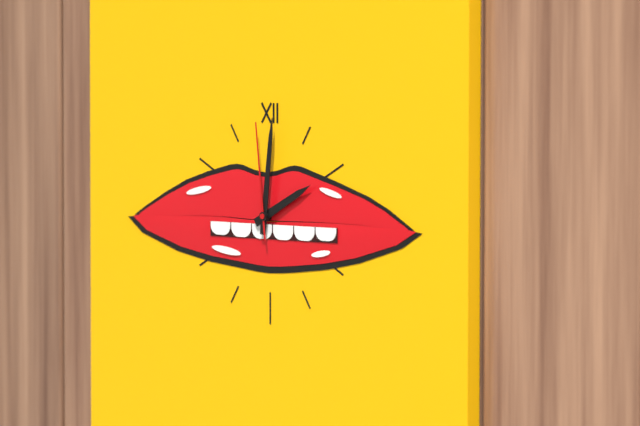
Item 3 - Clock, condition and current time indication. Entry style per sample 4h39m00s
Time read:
2h01m59s
